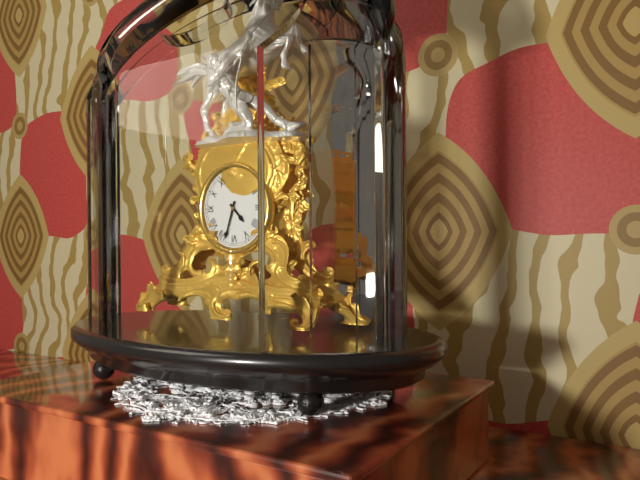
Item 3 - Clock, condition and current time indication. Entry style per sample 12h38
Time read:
4h33
